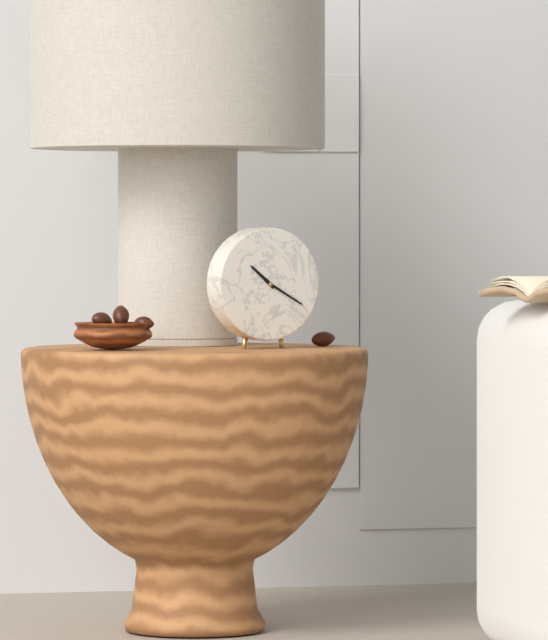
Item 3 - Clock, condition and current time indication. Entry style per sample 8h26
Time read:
10h20
